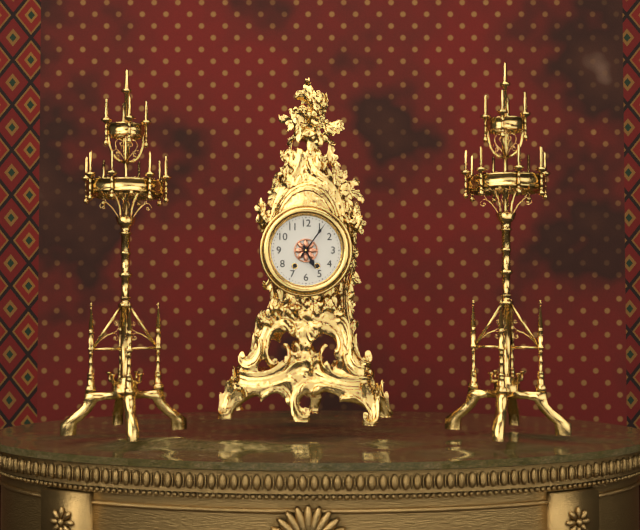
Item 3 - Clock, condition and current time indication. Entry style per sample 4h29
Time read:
5h06
